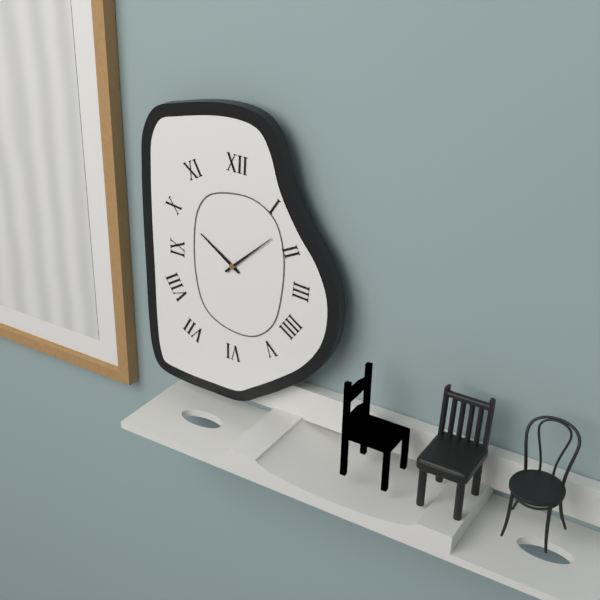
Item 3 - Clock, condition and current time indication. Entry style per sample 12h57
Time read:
10h08
